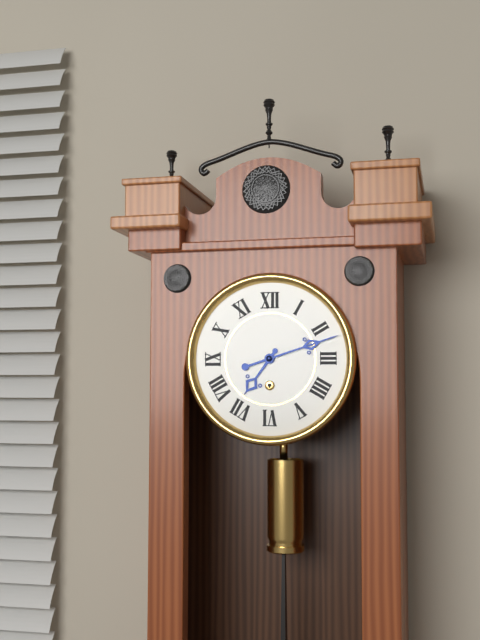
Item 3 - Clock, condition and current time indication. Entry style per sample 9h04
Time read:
7h12
